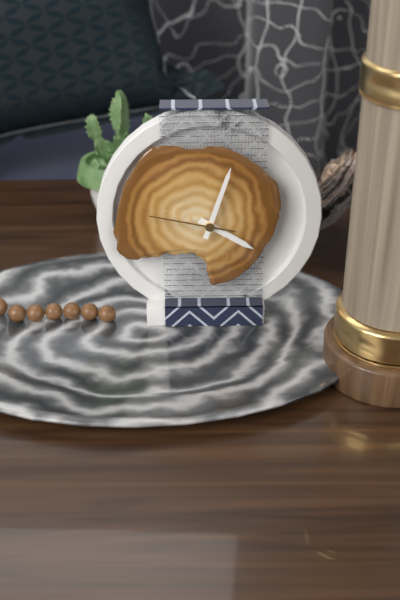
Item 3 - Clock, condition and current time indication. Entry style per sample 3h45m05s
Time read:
4h03m47s
